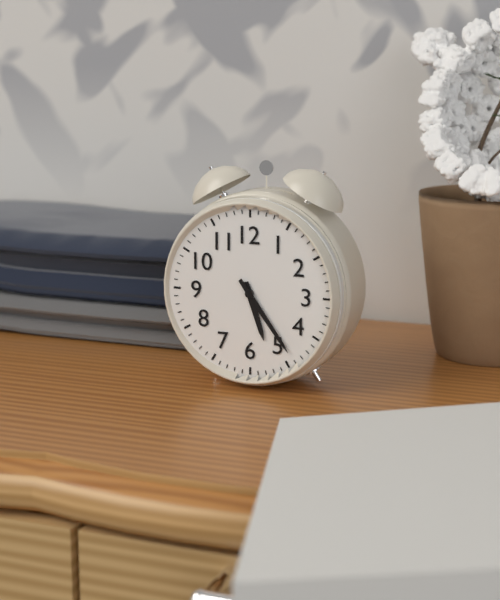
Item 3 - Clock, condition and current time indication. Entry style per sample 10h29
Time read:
5h24
